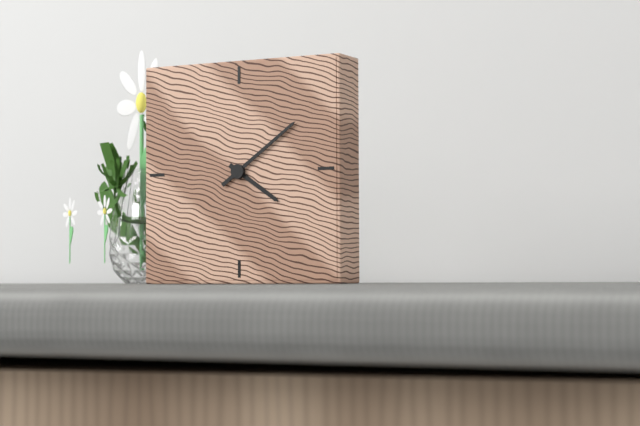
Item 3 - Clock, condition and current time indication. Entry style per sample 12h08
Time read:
4h09
